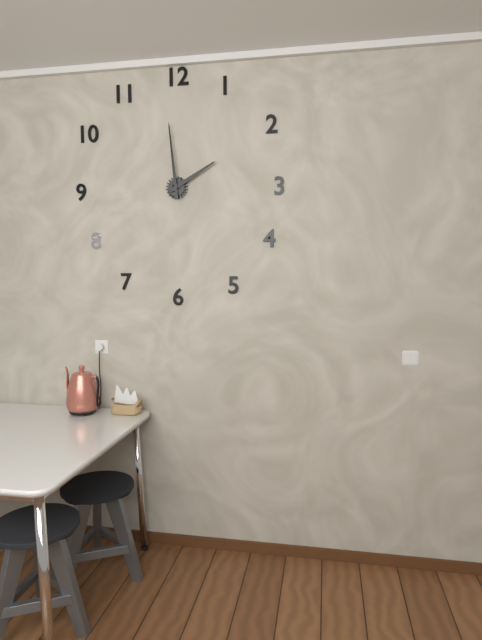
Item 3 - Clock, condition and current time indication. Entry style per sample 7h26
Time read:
1h59
